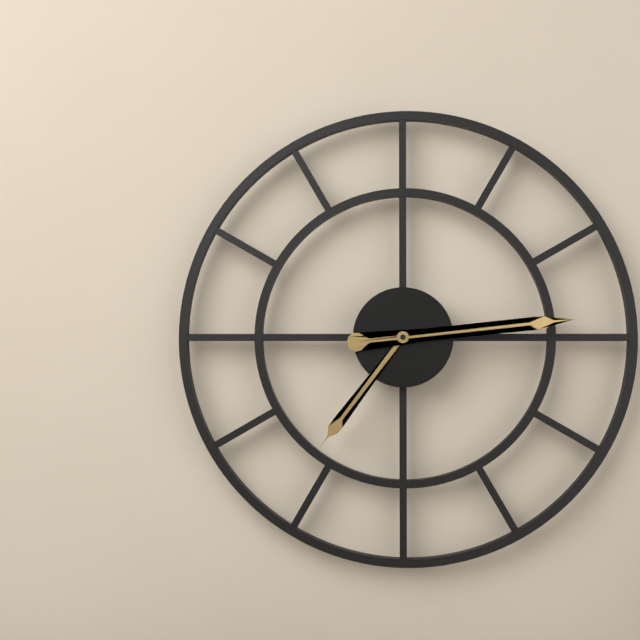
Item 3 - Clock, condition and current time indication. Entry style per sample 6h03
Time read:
7h14
